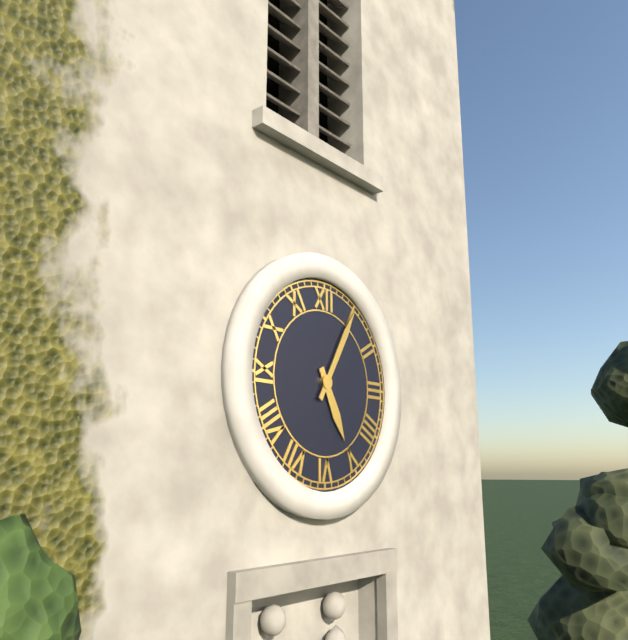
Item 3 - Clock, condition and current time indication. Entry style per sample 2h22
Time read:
5h05
